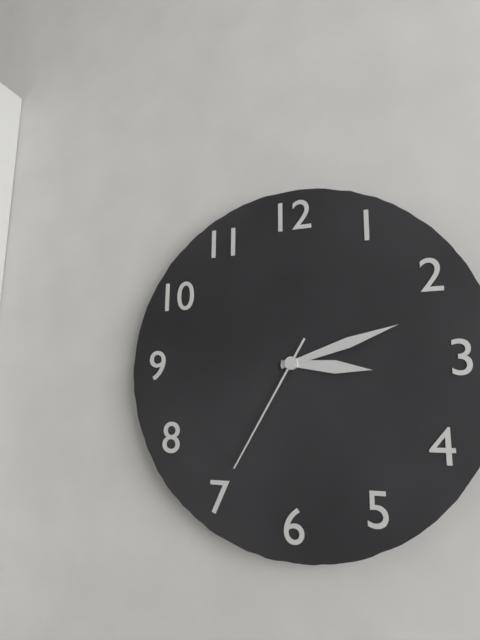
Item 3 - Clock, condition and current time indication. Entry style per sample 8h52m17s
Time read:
3h12m35s
